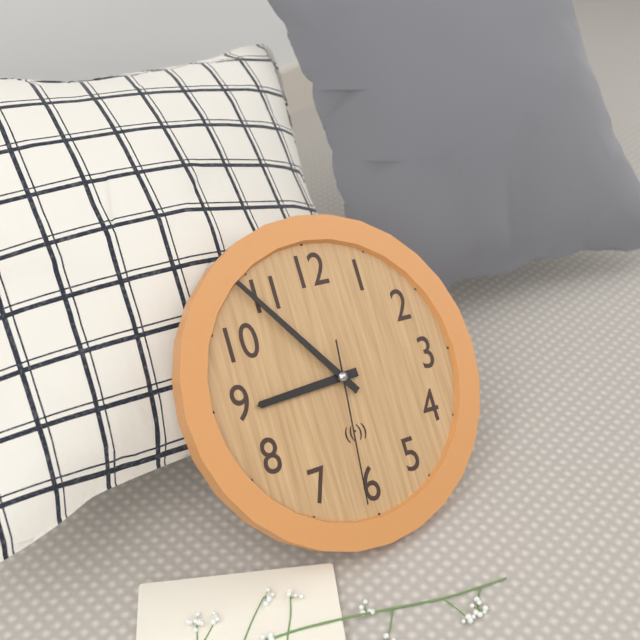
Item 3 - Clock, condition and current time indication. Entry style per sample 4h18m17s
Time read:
8h54m31s
